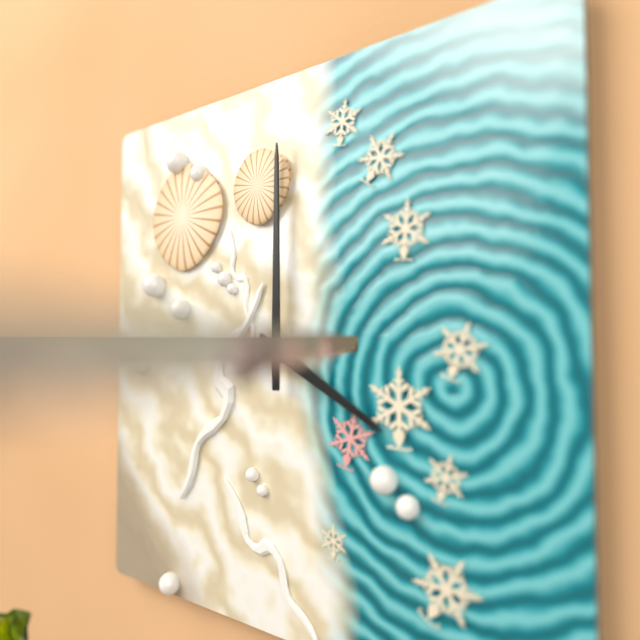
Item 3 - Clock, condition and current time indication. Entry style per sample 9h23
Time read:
4h00
